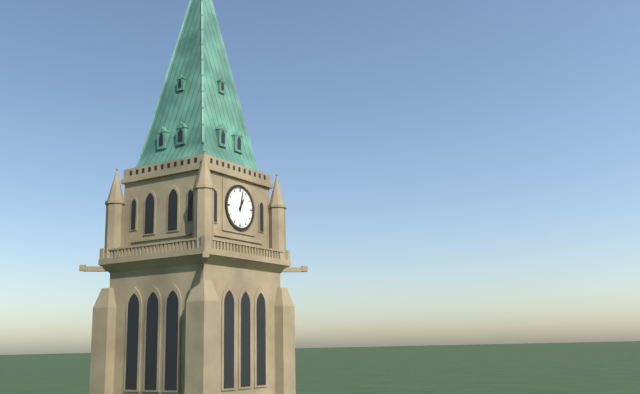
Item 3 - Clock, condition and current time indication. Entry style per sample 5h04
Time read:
1h02
